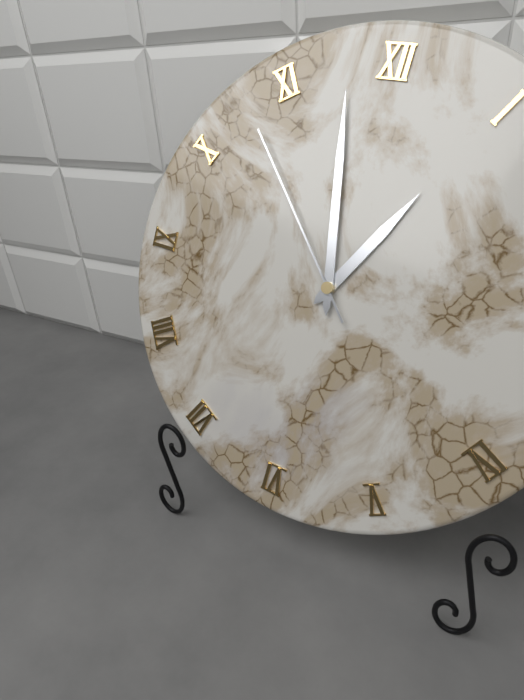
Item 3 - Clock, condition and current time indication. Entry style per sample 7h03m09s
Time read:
12h58m53s
